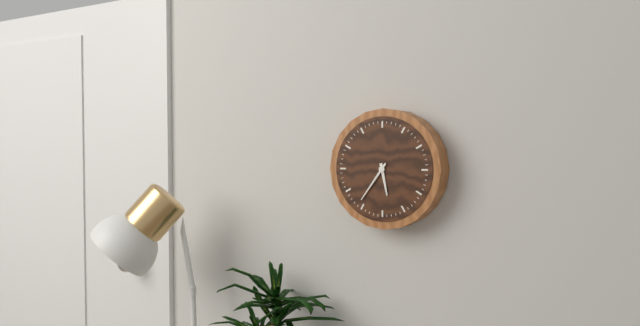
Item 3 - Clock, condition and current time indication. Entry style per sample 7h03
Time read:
5h36
